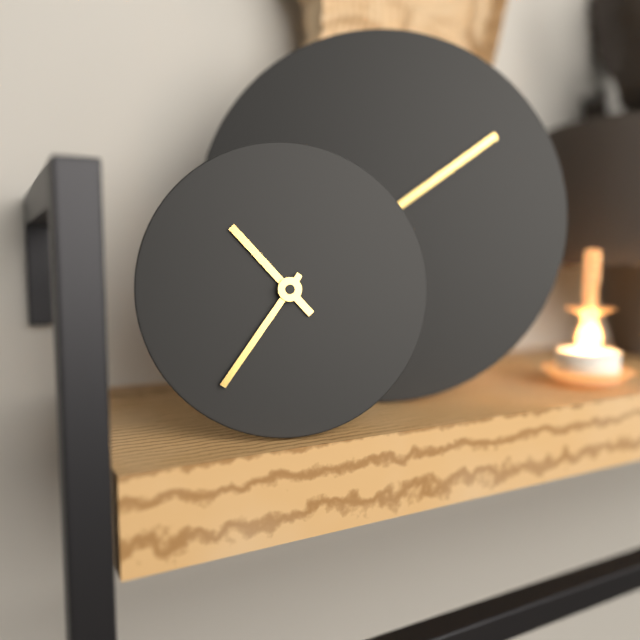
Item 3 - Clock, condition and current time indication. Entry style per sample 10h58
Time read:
10h36
